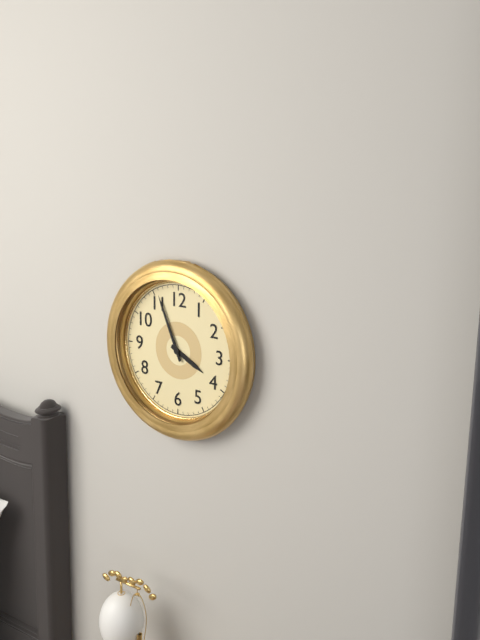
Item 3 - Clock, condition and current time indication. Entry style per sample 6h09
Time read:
3h56
